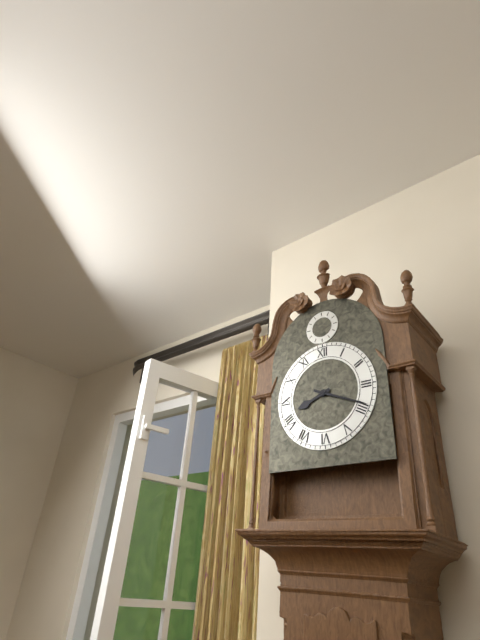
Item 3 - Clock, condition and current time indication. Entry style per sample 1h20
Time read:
8h19
